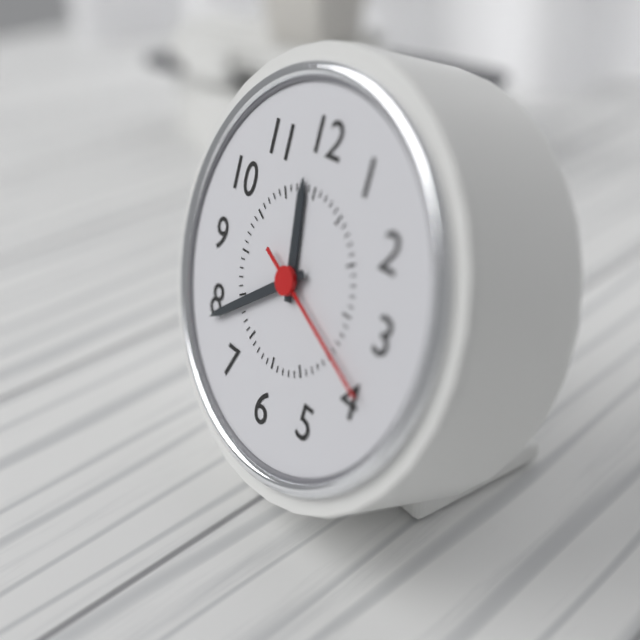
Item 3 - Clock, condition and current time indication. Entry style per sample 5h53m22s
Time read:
11h39m19s
